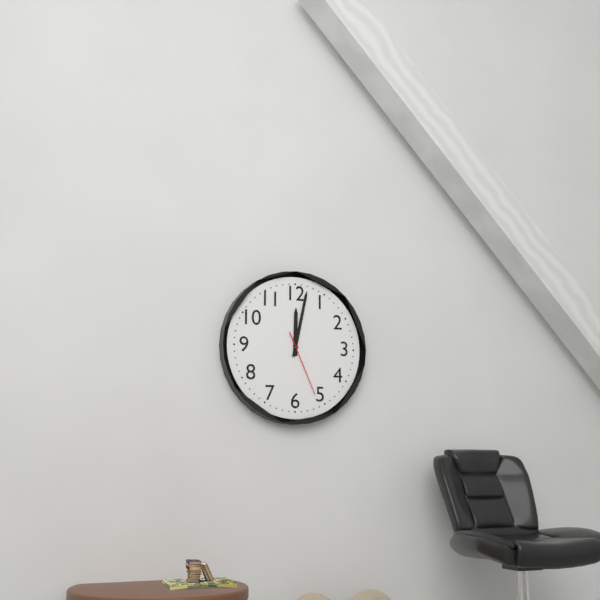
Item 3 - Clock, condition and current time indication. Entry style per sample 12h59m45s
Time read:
12h02m26s
